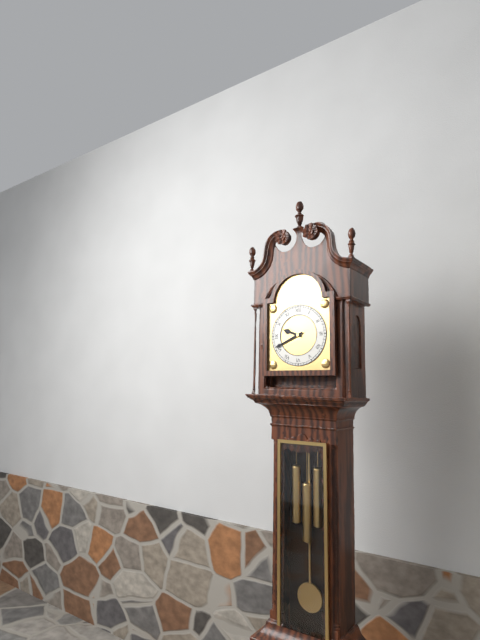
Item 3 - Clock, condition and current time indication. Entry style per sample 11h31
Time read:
9h41
